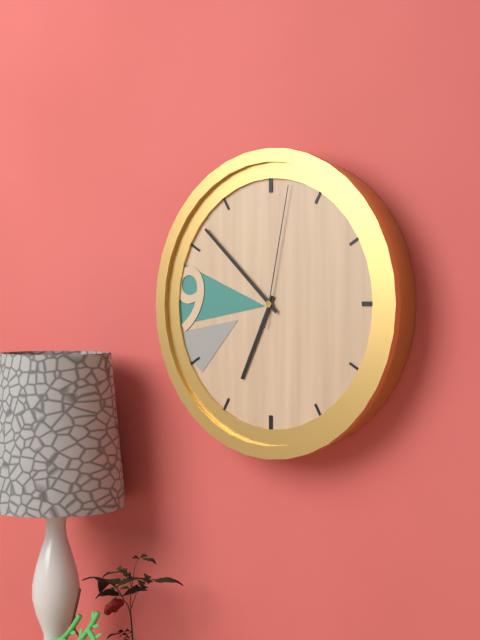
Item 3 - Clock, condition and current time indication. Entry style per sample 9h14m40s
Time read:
6h52m02s
